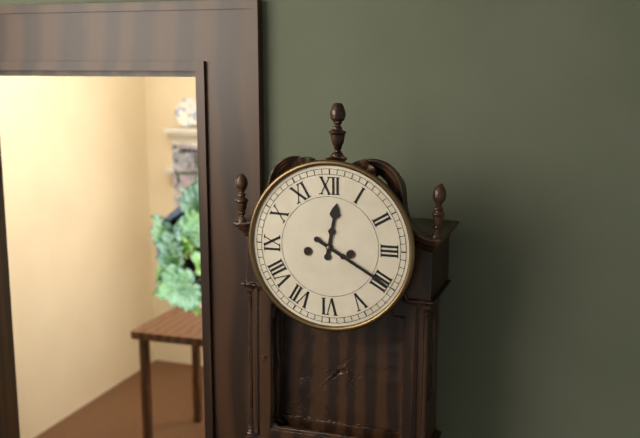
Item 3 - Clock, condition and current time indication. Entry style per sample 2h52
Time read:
12h20
